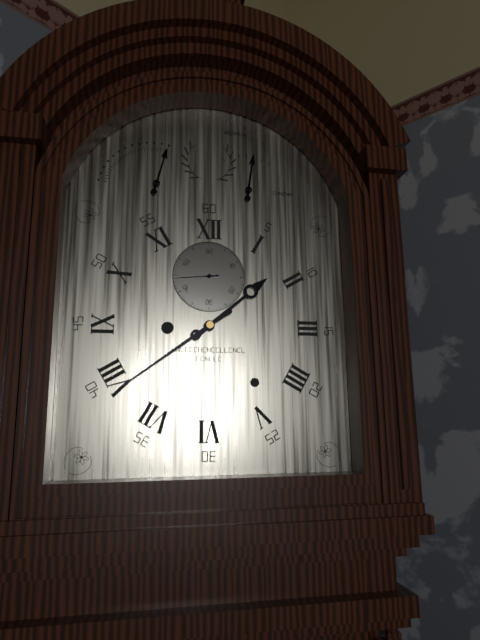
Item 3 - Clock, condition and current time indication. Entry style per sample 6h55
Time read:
1h39
